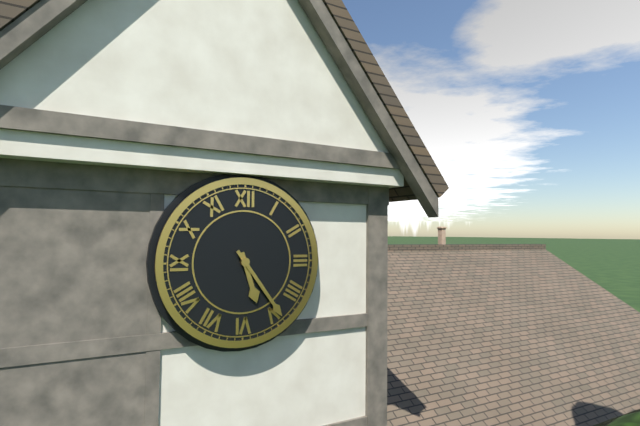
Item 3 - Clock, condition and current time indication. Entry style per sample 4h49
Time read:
5h24
